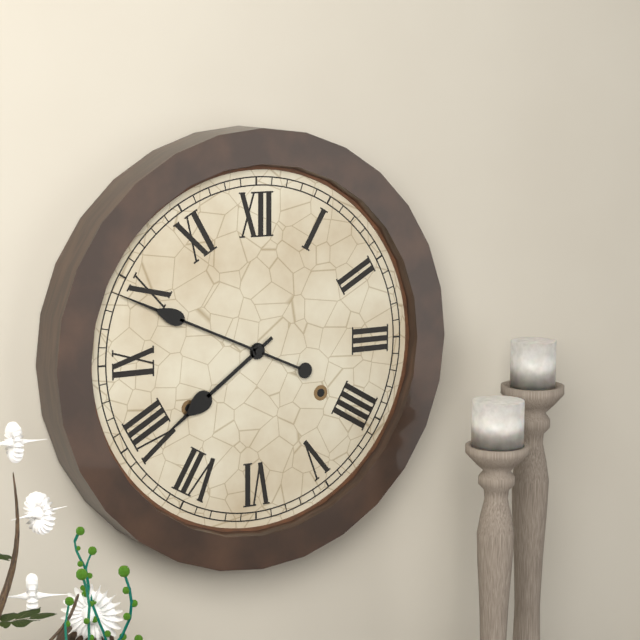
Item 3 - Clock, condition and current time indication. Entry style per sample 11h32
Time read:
7h49
